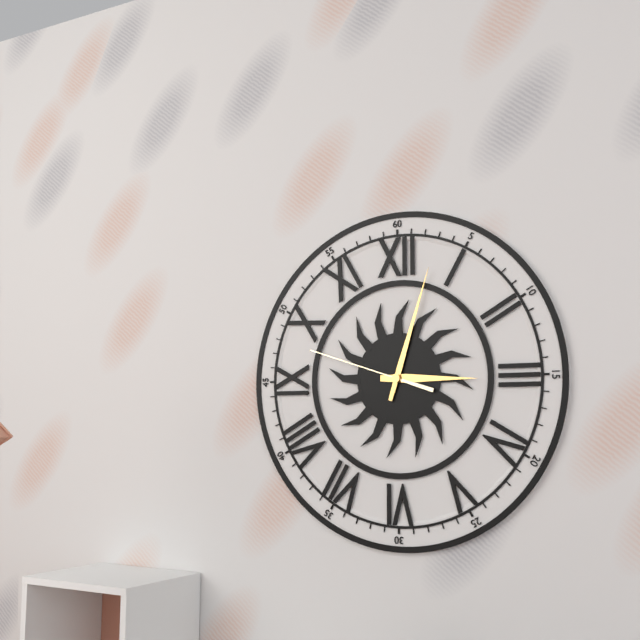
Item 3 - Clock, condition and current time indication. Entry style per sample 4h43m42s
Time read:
3h03m48s
